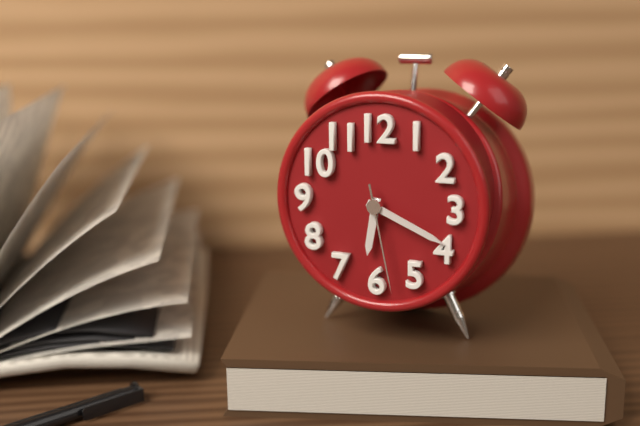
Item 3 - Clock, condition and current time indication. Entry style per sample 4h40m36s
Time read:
6h19m28s
